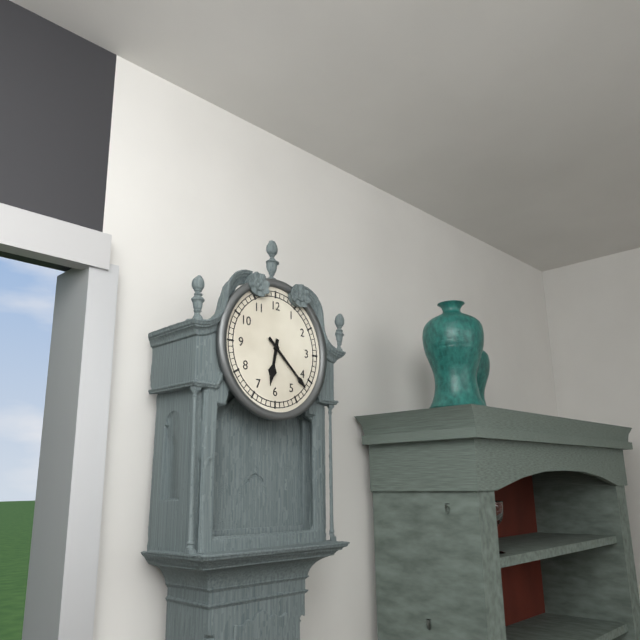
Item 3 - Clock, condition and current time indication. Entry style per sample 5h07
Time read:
6h22
